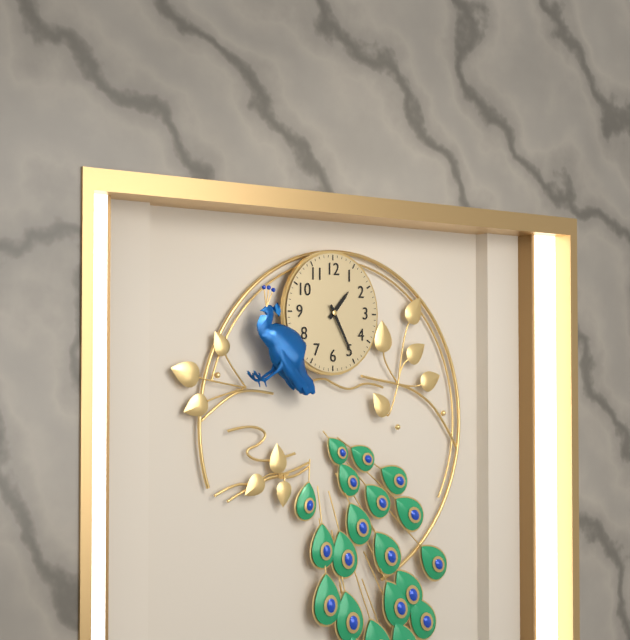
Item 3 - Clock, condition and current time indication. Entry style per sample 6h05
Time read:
1h25
